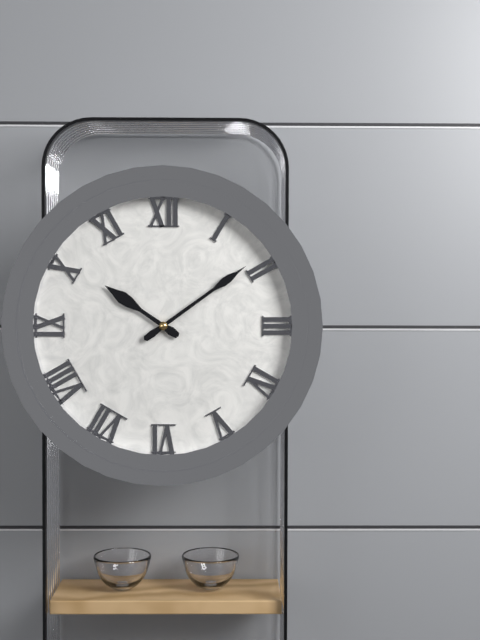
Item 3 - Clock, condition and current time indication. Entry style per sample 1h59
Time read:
10h09
